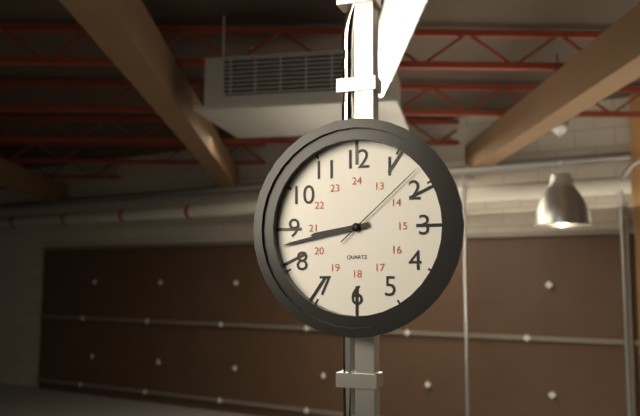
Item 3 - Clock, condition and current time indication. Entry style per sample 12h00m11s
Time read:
8h43m08s
